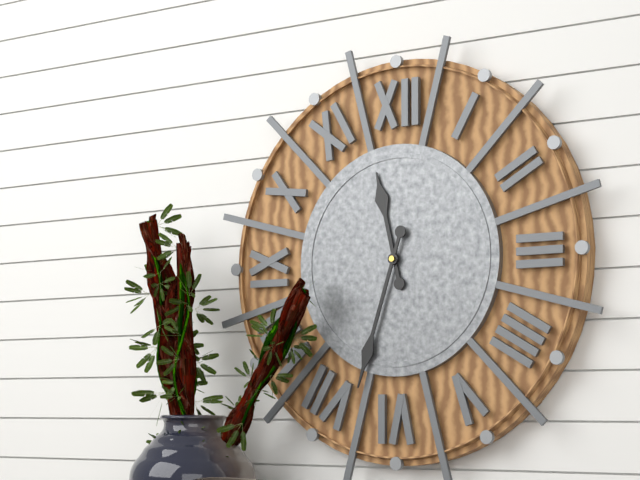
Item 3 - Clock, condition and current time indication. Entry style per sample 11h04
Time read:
11h33
